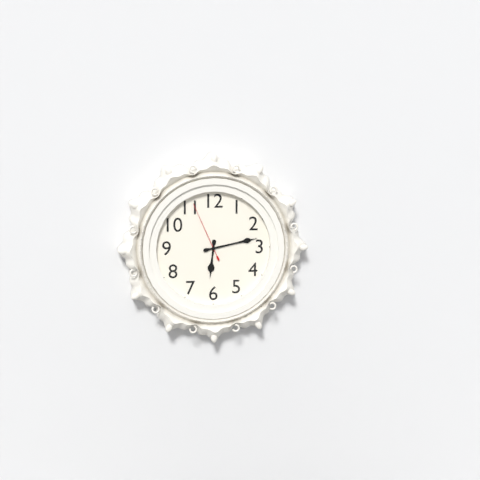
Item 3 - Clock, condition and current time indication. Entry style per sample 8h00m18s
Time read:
6h13m56s
